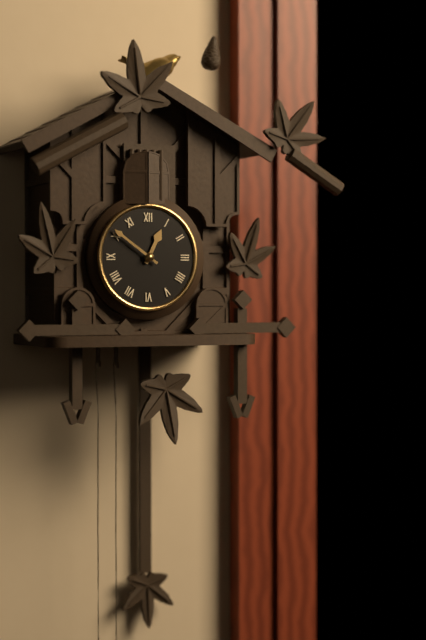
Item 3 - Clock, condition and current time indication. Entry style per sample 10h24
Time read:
12h51
